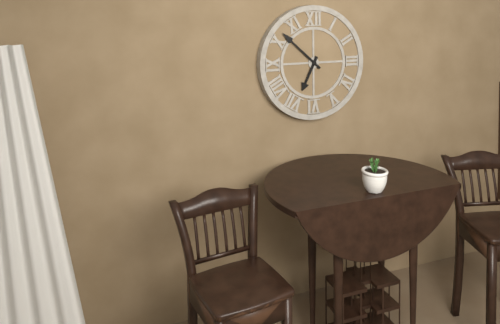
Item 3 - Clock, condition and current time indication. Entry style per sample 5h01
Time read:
6h52
